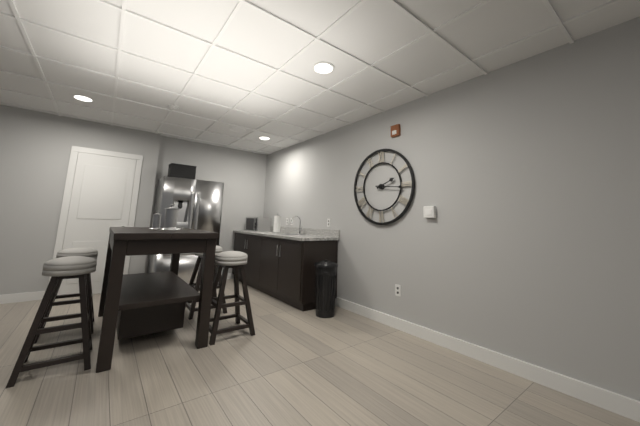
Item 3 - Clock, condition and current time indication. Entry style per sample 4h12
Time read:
2h16
